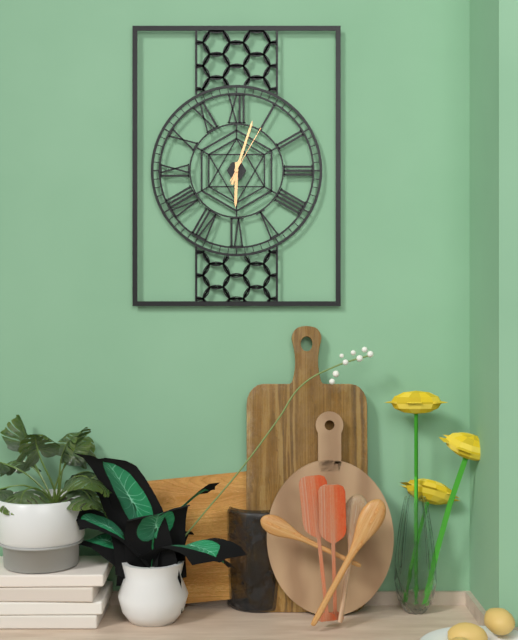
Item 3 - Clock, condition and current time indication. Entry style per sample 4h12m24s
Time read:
6h03m05s
